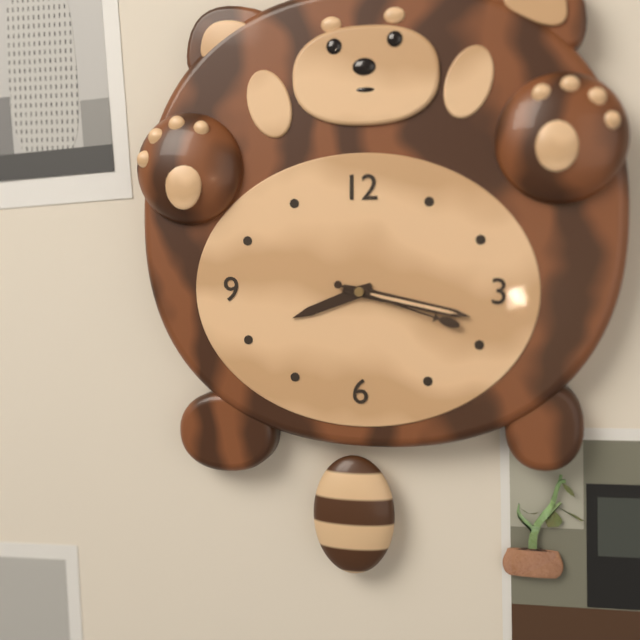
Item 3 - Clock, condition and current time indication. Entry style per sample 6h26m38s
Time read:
8h17m18s
